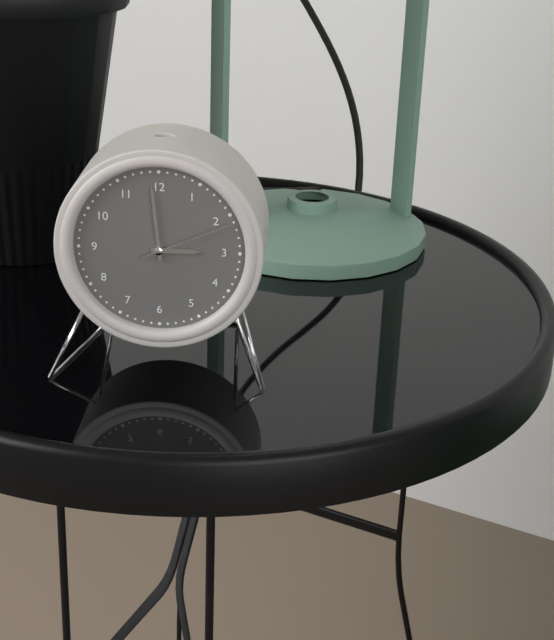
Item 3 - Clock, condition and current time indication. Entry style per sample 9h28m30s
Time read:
2h59m11s
